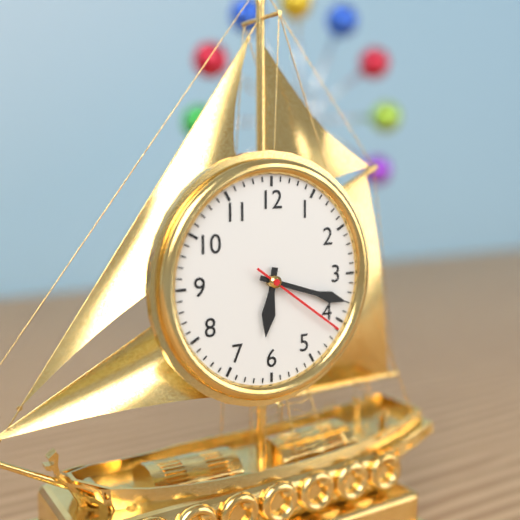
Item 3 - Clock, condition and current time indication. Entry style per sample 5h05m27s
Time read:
6h18m21s
